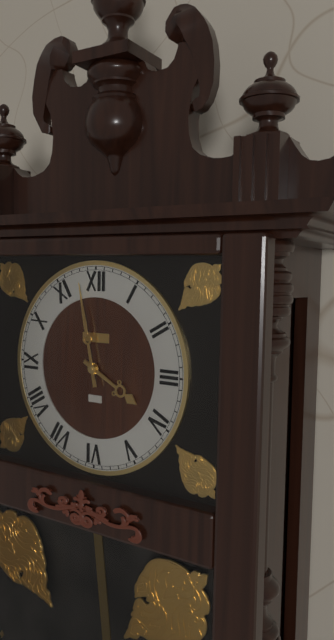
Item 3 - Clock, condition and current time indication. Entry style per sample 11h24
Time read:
3h58
